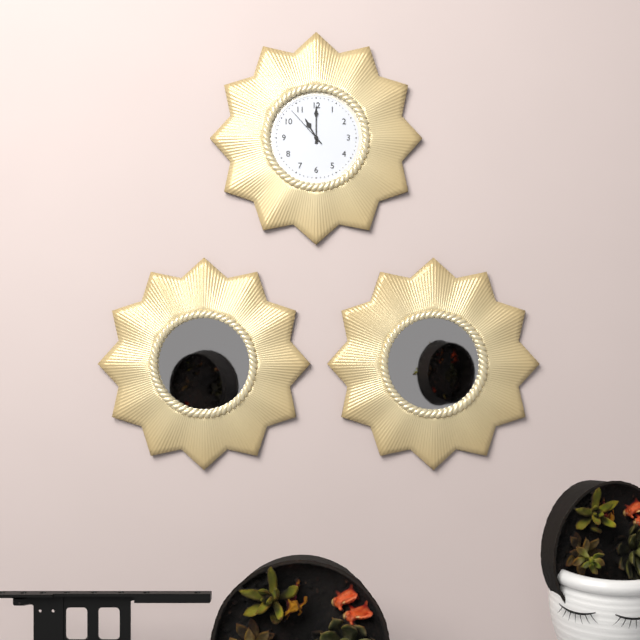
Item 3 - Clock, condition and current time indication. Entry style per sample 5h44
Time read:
11h00
